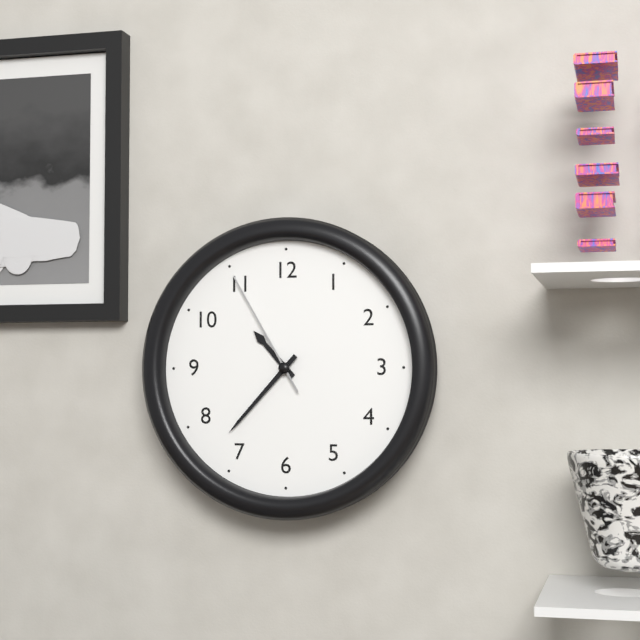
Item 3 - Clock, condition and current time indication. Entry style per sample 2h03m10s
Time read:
10h37m55s
